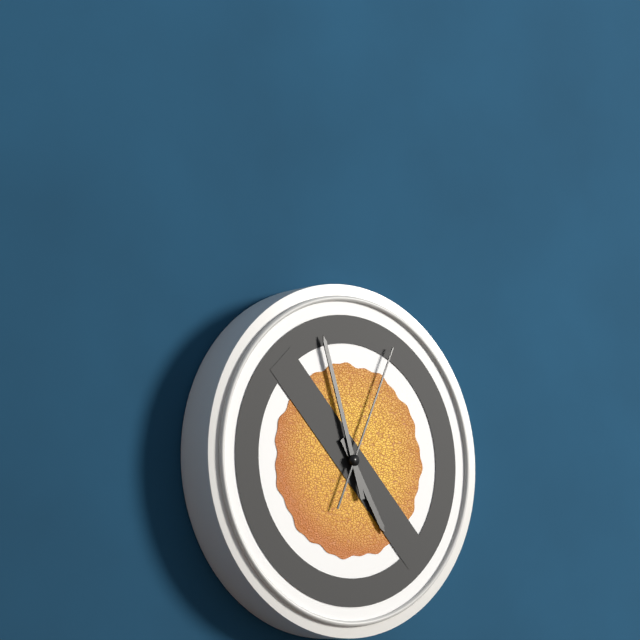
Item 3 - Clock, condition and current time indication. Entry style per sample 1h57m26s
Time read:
4h57m04s
